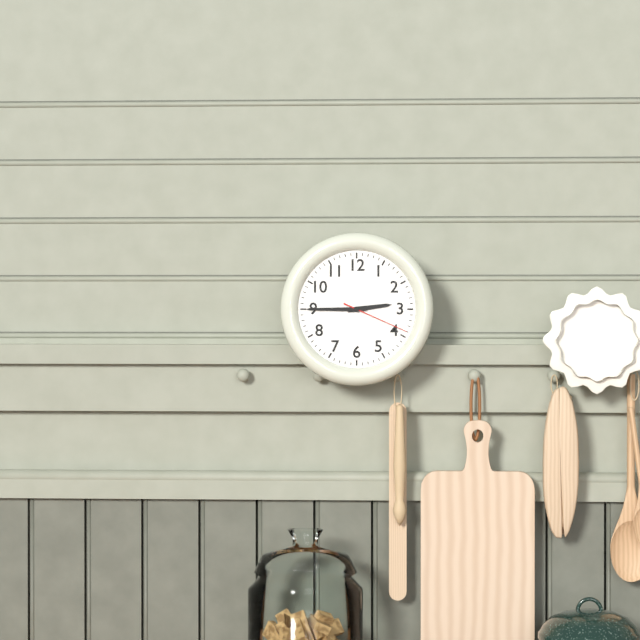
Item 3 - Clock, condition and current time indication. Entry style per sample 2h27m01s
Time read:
2h45m19s
